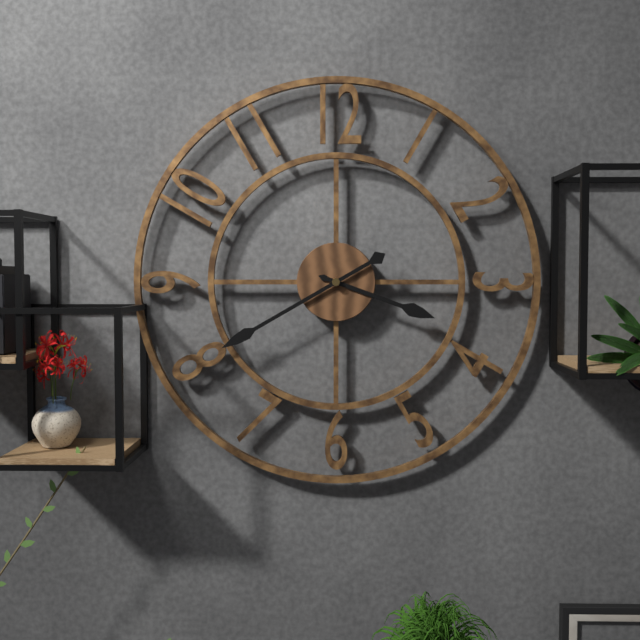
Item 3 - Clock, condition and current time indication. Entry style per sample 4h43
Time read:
3h40
